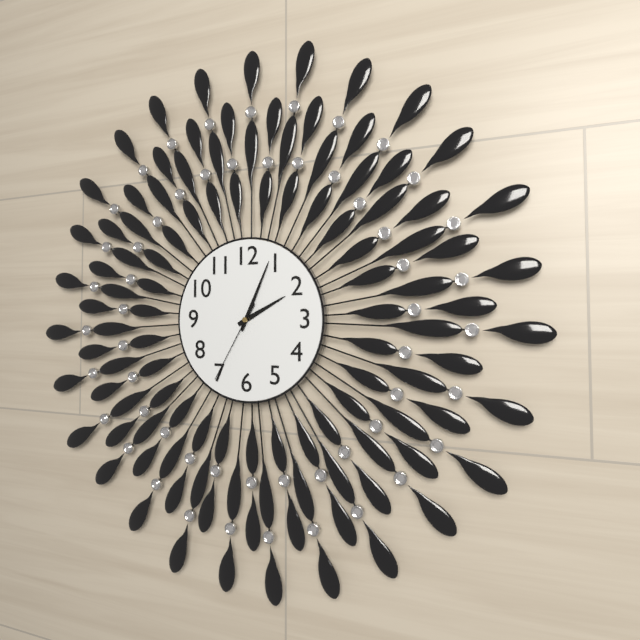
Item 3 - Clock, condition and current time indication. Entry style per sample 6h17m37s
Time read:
2h04m35s
